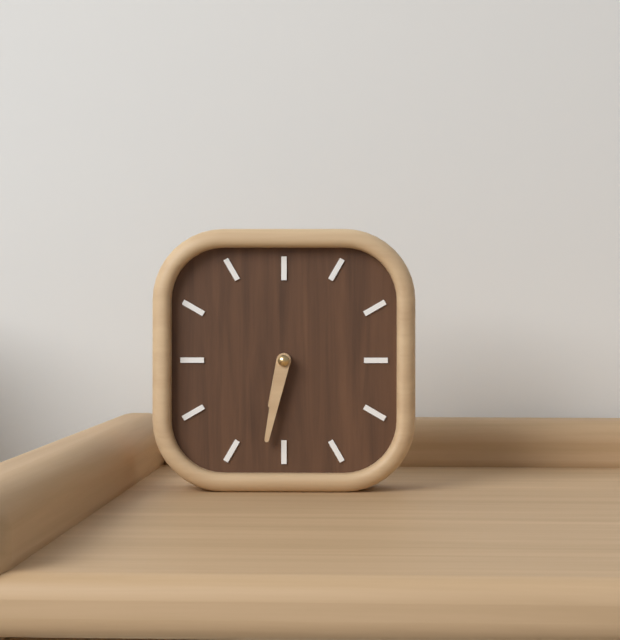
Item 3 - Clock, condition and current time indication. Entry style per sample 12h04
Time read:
6h32
